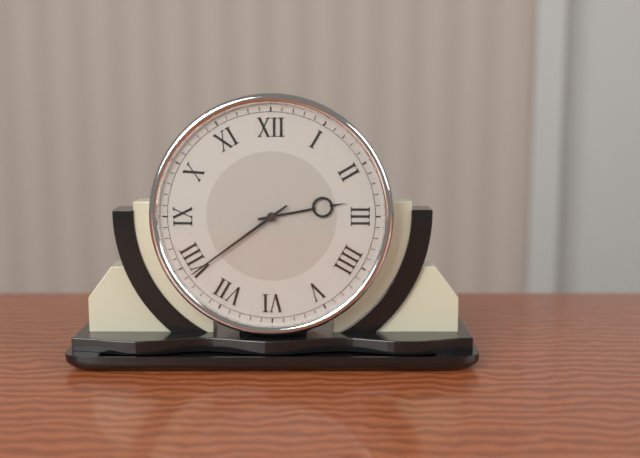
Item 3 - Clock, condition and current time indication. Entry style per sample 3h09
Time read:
2h39
